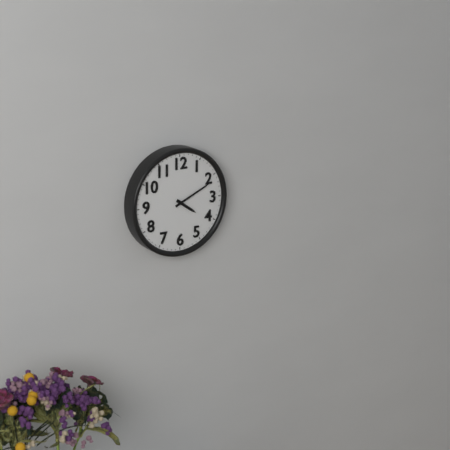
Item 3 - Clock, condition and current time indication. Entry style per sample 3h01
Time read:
4h11
